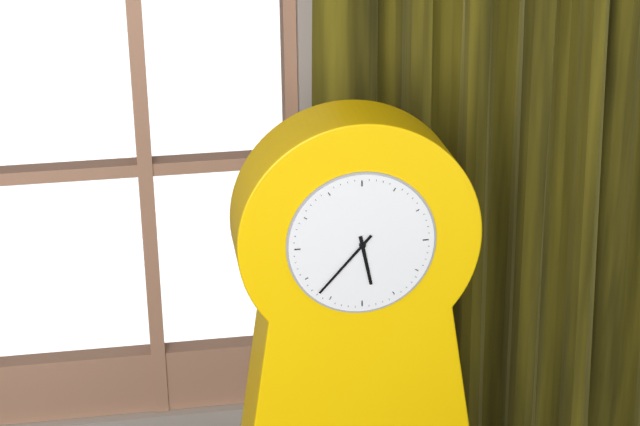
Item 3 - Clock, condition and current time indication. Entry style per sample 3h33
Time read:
5h37
